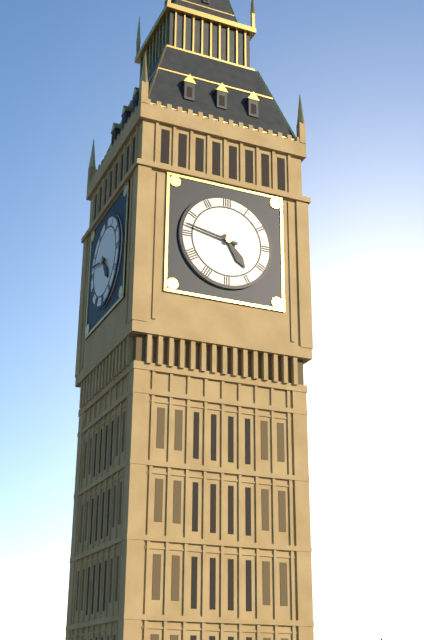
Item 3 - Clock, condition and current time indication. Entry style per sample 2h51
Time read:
4h47
